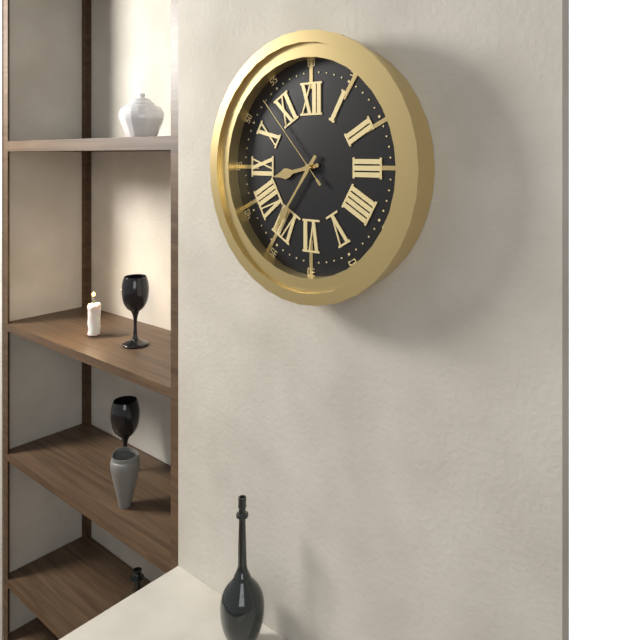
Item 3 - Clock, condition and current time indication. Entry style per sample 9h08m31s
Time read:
8h36m53s
